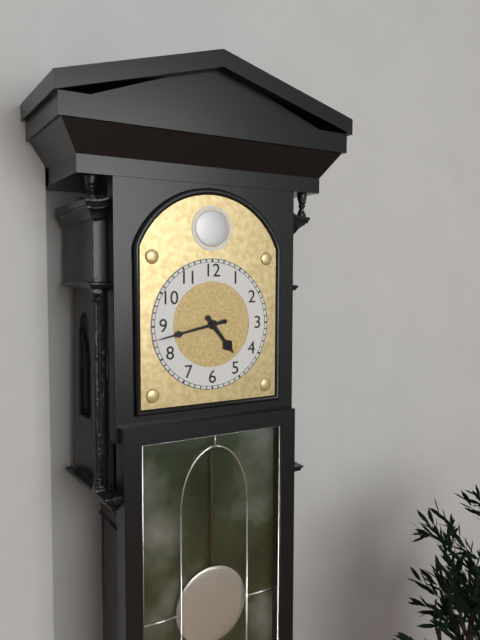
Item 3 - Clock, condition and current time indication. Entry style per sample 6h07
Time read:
4h43
